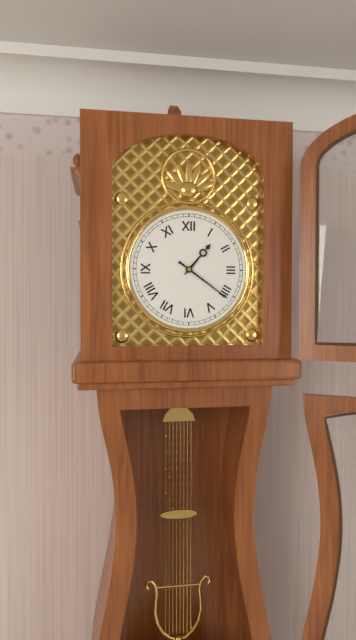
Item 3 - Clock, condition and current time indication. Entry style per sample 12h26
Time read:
1h21
